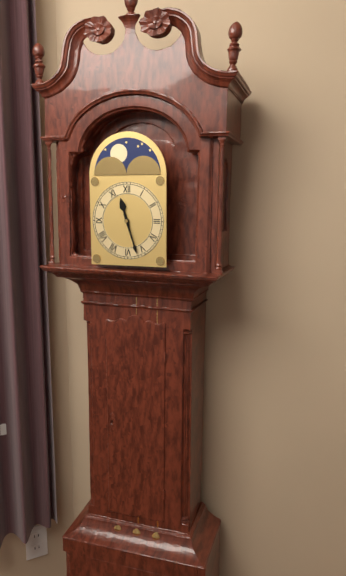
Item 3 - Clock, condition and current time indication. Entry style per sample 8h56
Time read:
11h27
